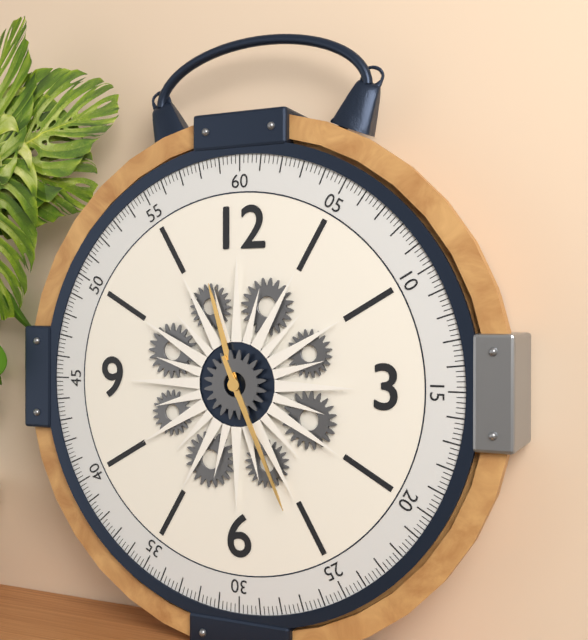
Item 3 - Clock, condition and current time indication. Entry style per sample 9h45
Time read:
11h26
